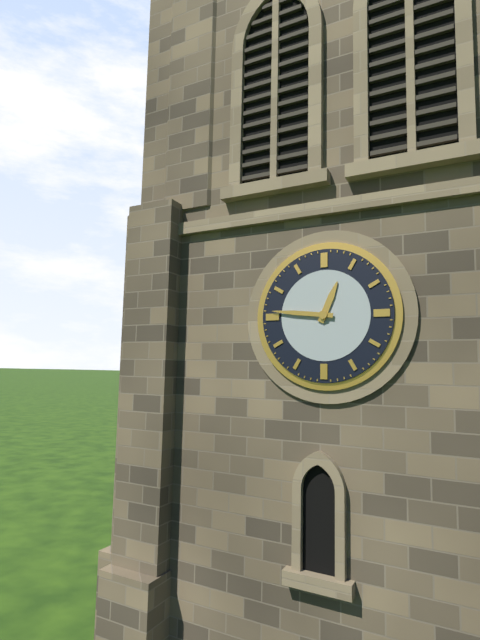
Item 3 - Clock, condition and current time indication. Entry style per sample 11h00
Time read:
12h46
